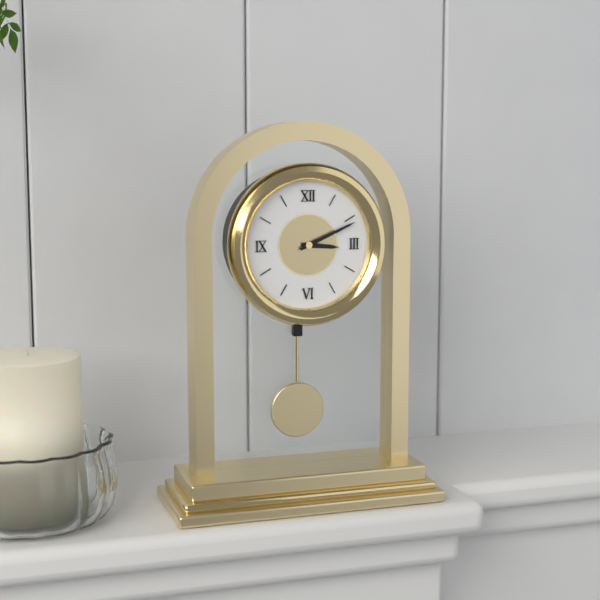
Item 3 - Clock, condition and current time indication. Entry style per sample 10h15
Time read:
3h11
